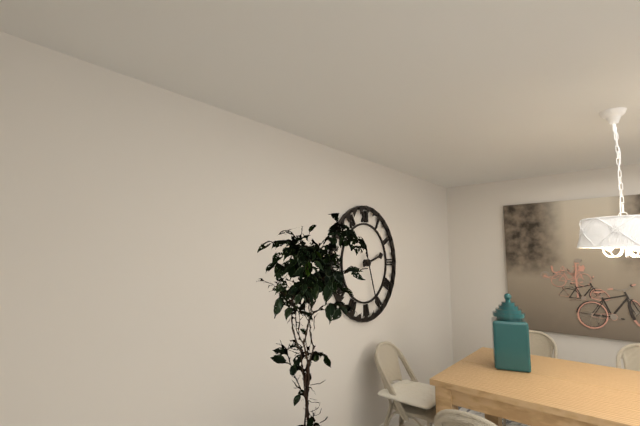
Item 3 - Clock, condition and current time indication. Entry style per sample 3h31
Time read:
2h27
